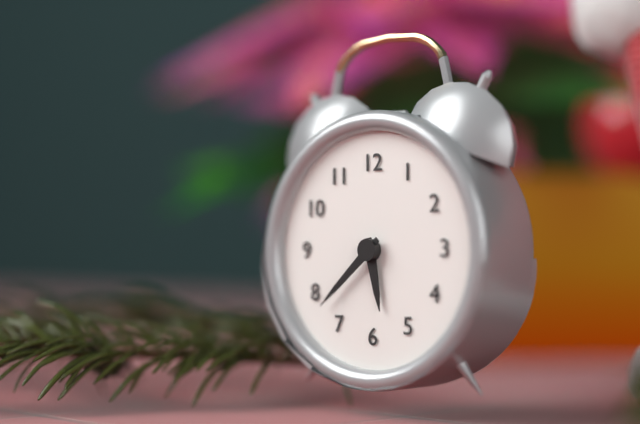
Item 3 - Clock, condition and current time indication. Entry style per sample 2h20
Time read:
5h38
